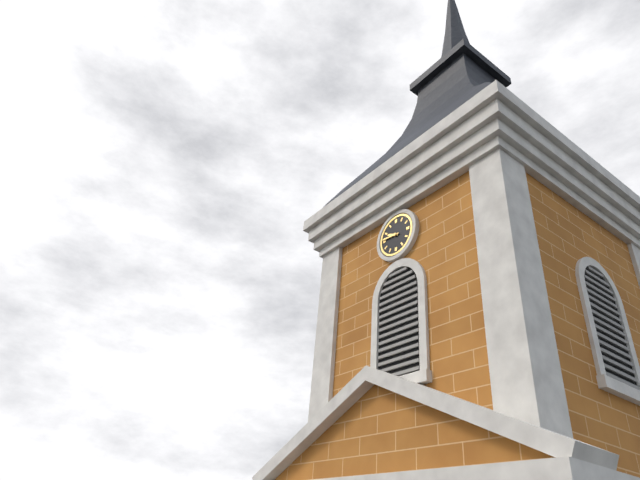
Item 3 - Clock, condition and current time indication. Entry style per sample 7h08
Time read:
9h46
